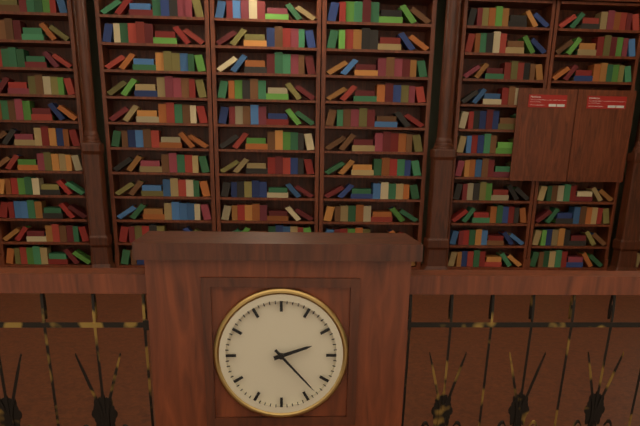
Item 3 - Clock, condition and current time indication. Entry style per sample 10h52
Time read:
2h23
